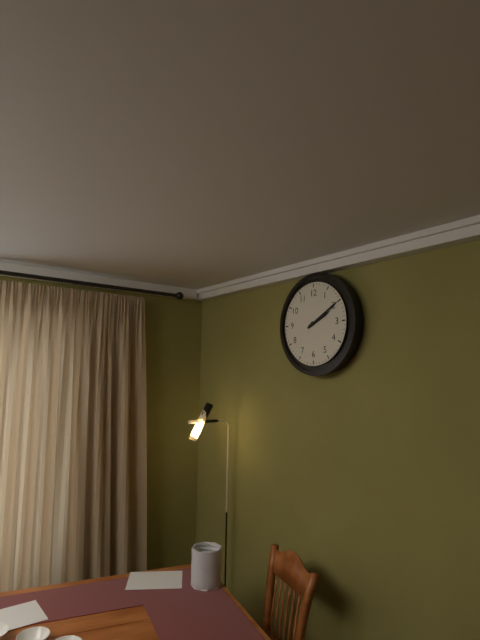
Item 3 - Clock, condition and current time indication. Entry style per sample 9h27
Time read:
2h10
